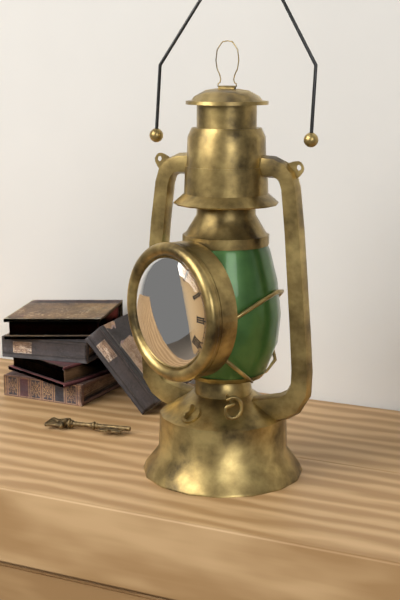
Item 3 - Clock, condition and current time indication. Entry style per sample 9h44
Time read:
11h35
